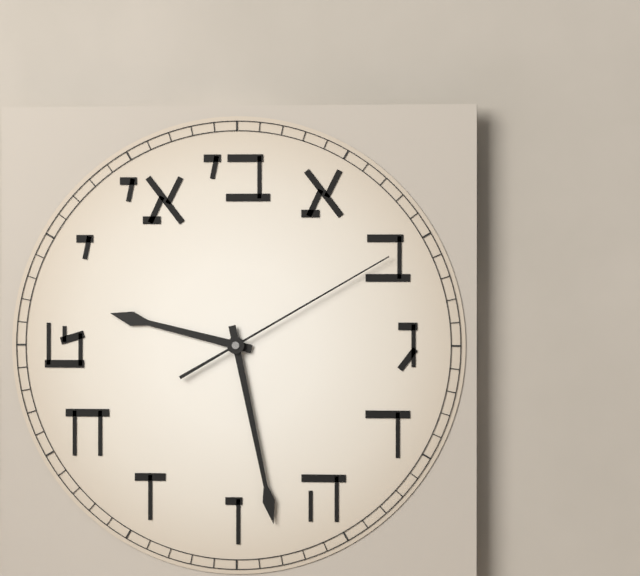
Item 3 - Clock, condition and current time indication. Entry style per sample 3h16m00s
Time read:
9h28m10s
